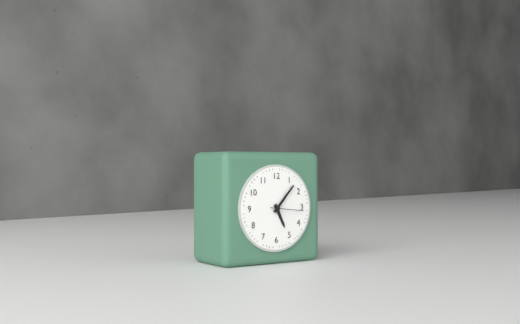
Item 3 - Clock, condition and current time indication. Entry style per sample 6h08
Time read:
5h07
